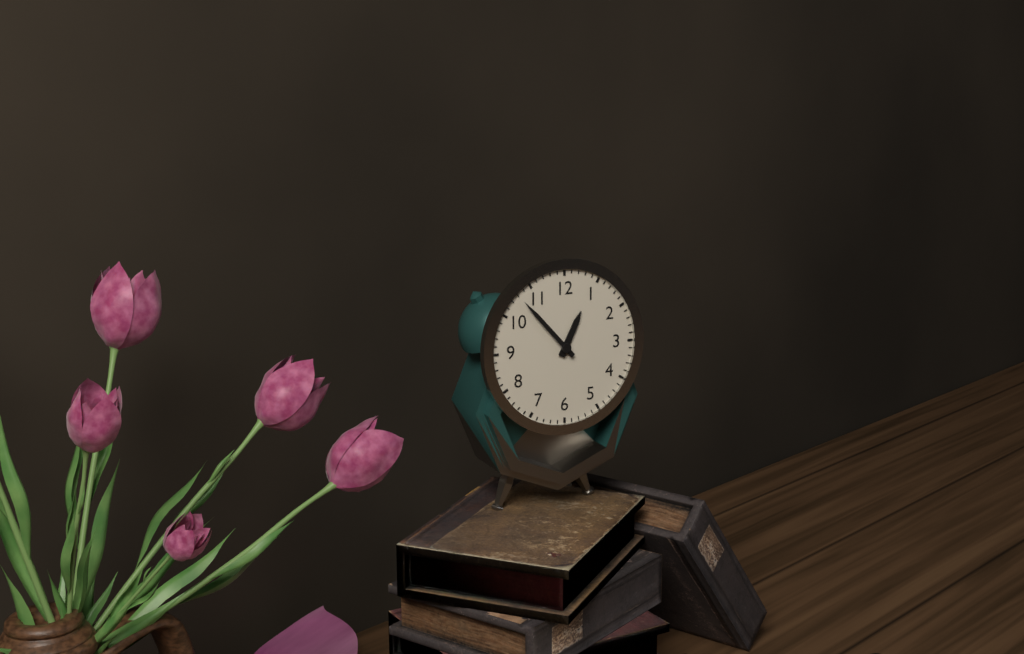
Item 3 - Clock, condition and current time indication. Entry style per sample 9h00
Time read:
12h53
